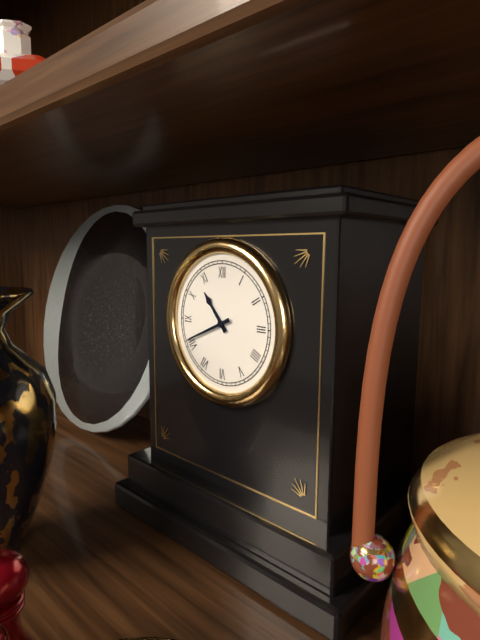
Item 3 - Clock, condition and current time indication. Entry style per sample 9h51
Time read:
10h41
